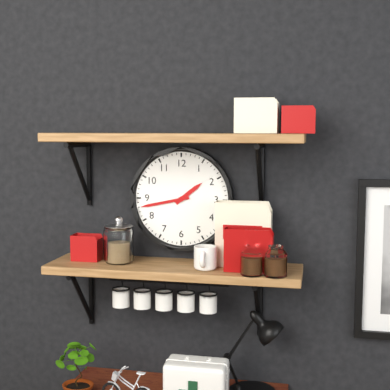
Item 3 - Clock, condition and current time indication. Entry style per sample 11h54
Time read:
1h43
